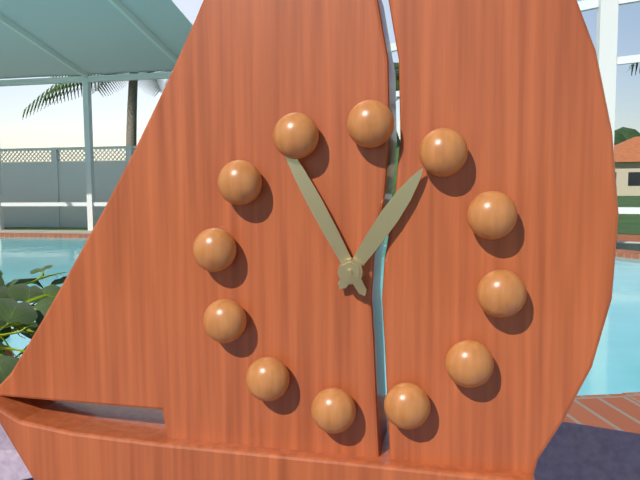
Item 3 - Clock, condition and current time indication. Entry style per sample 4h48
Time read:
12h54
